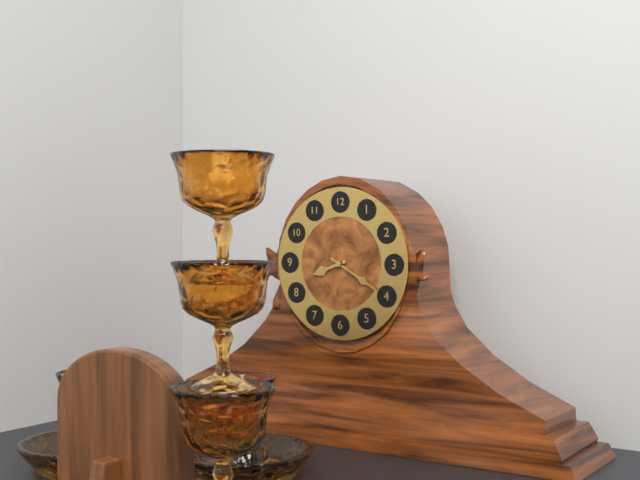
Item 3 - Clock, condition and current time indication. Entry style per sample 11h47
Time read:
8h20
